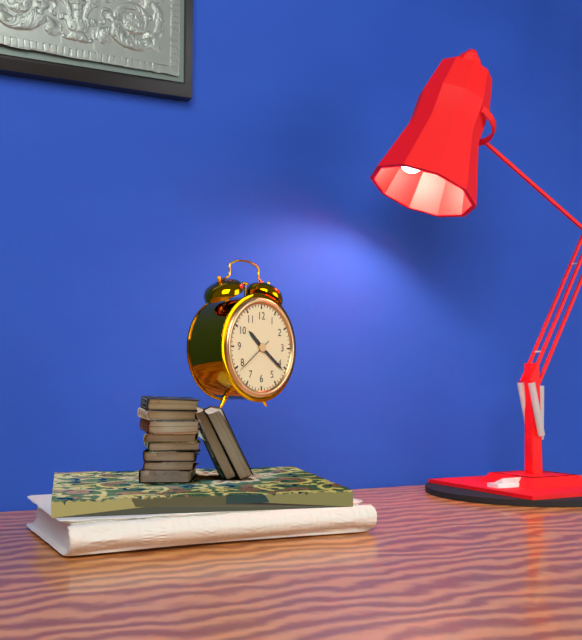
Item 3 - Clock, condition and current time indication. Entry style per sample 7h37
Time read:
10h21
